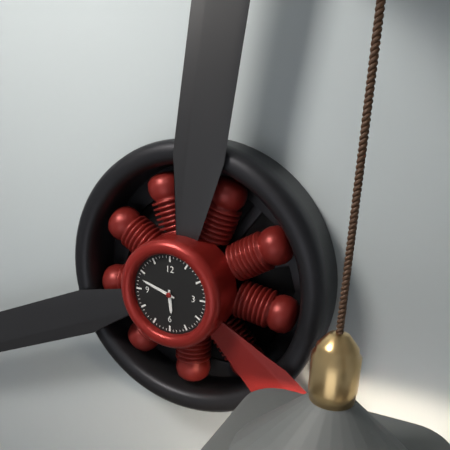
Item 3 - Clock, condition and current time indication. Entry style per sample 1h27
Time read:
5h48
